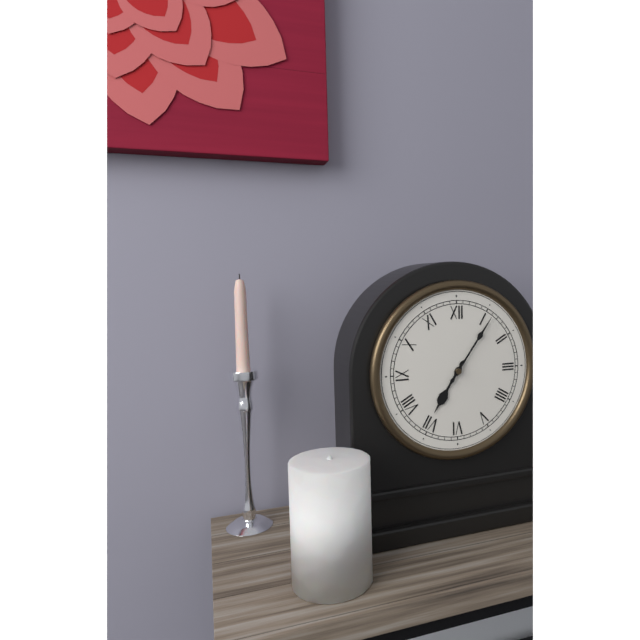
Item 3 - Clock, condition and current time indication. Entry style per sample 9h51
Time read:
7h06
